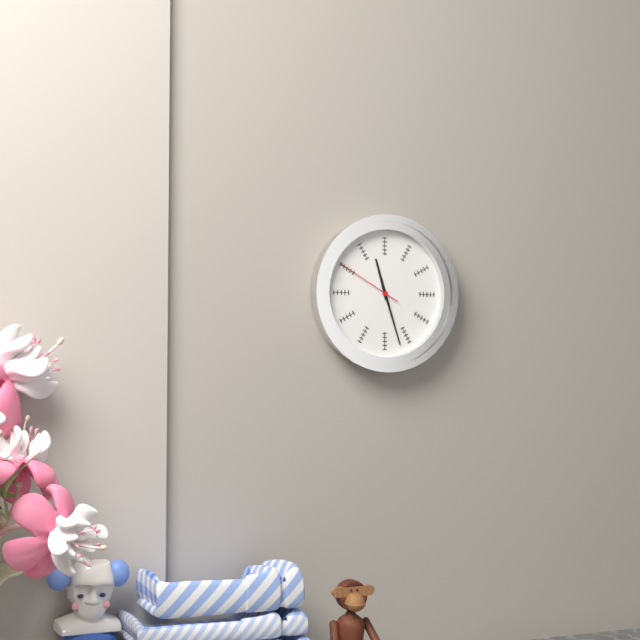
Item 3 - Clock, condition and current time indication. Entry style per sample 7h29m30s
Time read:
11h27m50s
